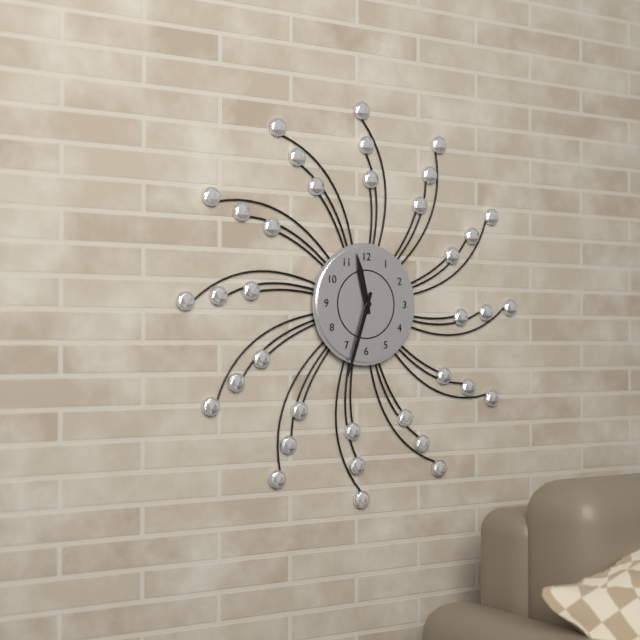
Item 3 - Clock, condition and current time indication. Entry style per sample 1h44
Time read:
11h33
